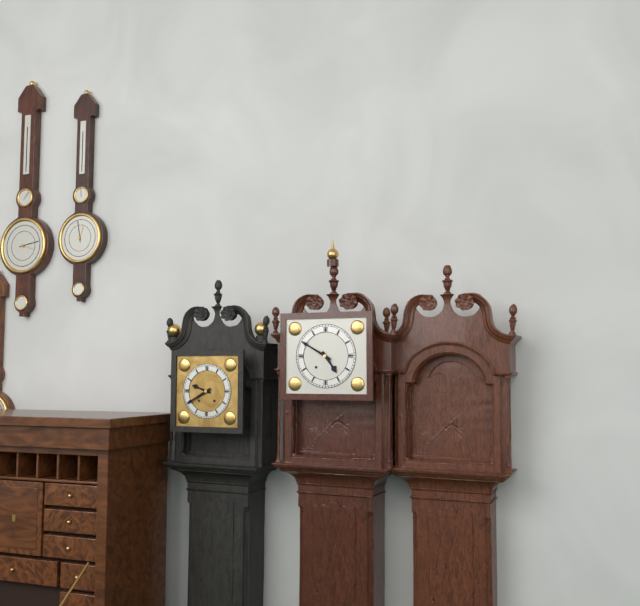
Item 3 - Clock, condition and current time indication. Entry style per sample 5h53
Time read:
4h50
